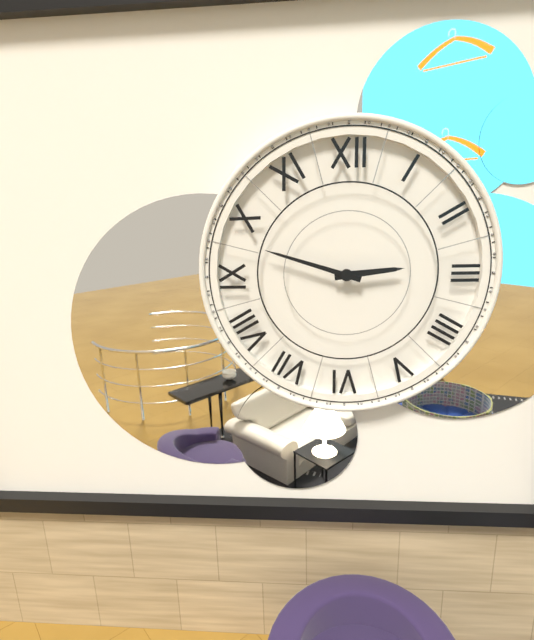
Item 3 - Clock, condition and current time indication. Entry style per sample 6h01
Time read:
2h48
